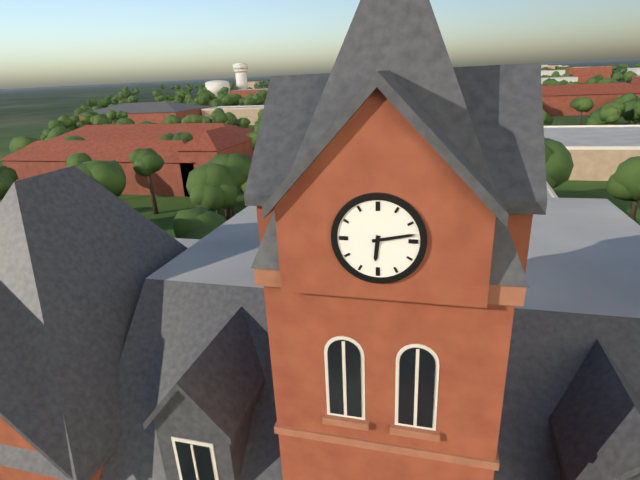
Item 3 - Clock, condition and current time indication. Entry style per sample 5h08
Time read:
6h13
